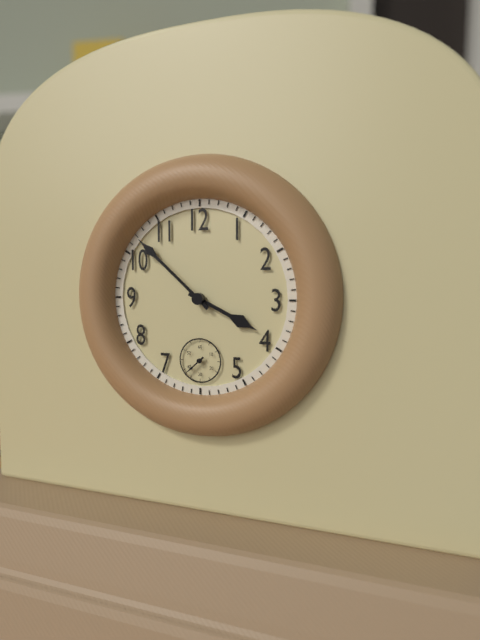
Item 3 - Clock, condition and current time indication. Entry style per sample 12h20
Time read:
3h52
